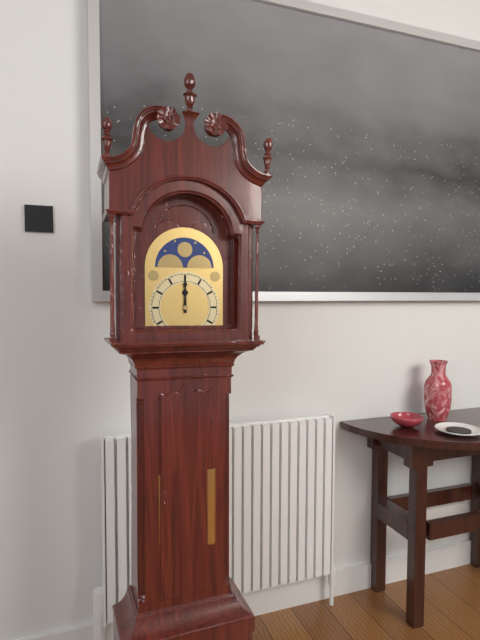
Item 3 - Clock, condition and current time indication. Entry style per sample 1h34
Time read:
12h00
